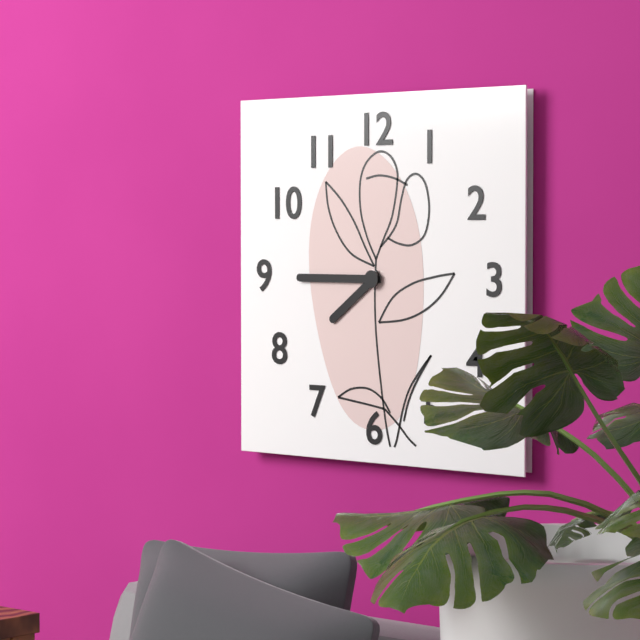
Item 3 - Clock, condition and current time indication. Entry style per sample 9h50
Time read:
7h45
